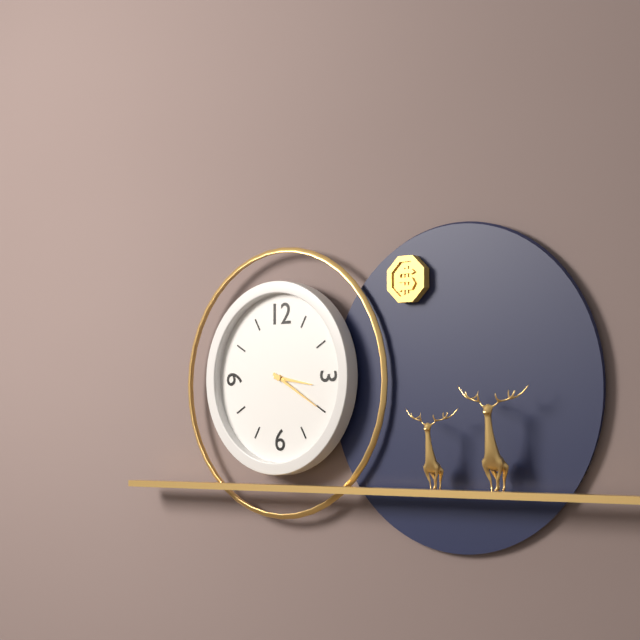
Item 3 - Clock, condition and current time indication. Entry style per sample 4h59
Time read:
3h20
